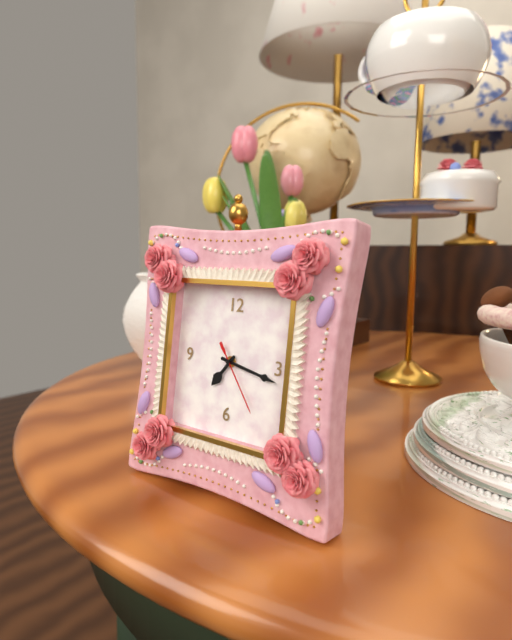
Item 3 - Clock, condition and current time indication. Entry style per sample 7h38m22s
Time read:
7h17m24s
